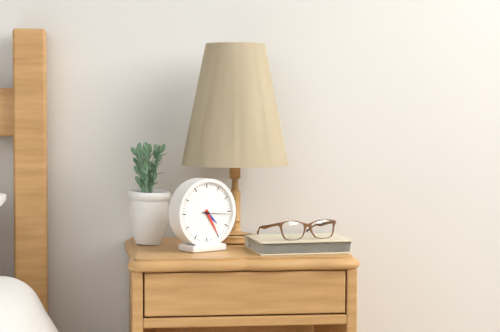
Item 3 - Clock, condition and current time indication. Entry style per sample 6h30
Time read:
4h25
